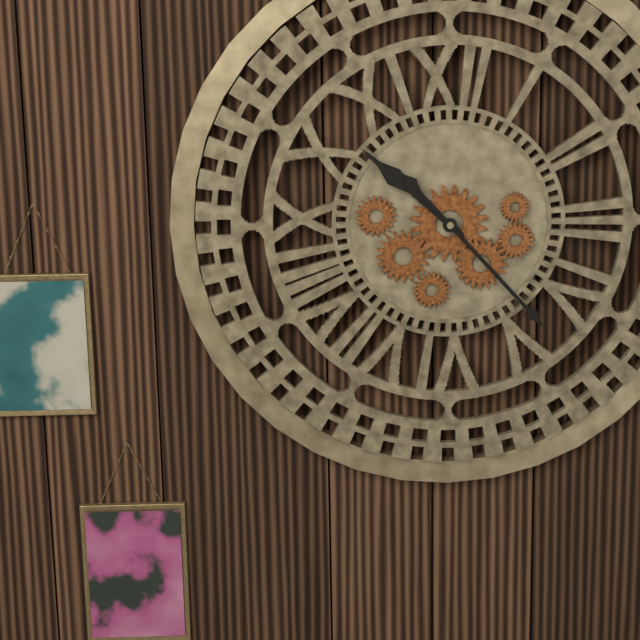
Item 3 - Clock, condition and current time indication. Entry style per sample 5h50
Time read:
10h23
